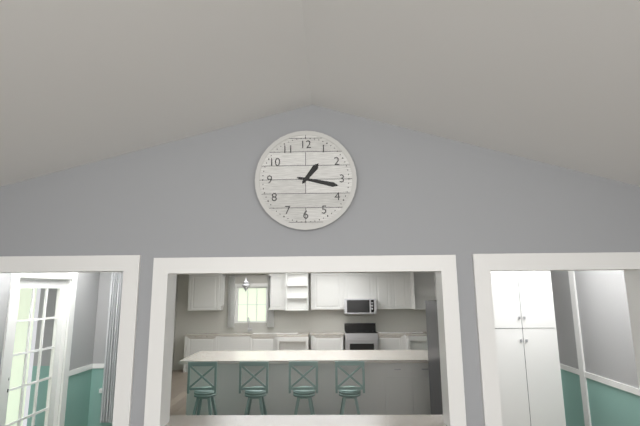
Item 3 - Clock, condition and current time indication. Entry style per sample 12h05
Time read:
1h17
